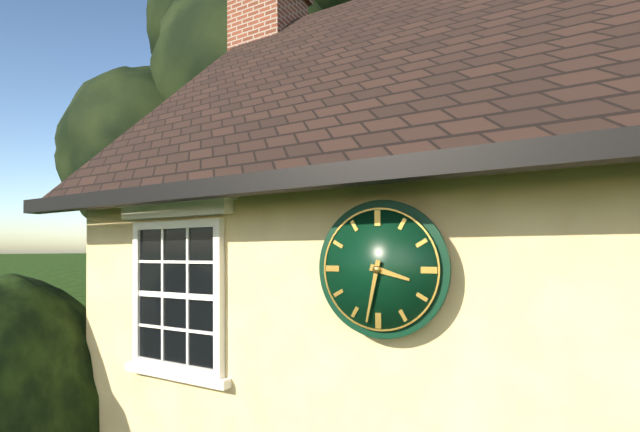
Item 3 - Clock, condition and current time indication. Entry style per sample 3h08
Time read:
3h32
